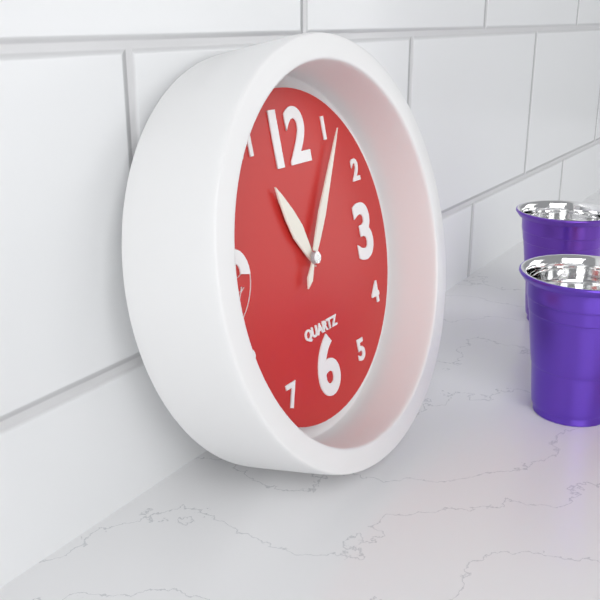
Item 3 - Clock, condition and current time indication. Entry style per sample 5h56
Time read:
11h06
